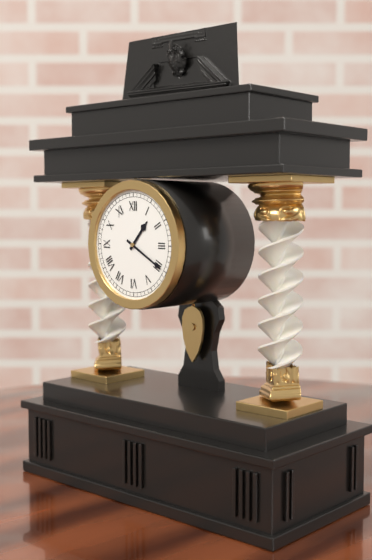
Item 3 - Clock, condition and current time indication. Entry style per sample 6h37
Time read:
1h20
